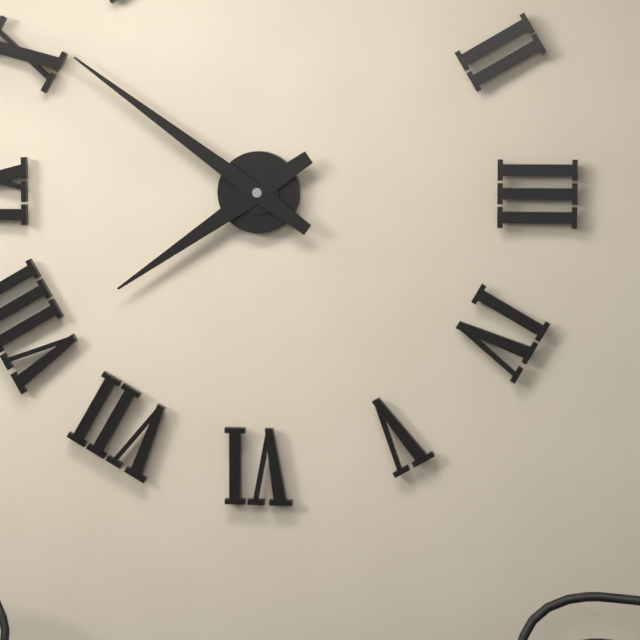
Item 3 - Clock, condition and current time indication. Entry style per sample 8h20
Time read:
7h51
